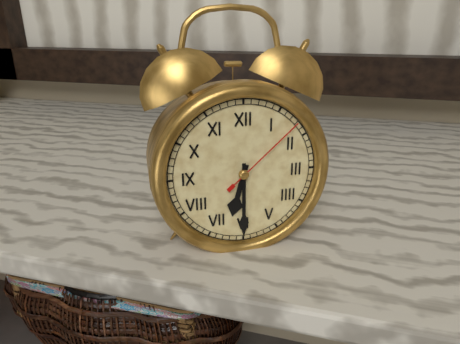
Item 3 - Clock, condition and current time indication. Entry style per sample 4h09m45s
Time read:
6h30m08s
